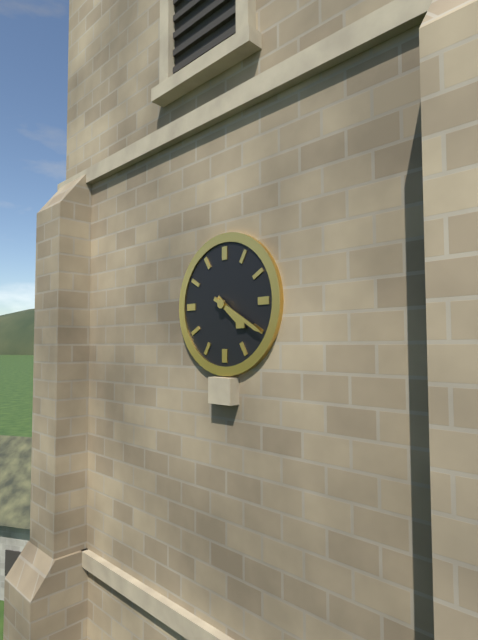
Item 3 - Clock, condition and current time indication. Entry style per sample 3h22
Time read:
4h20
